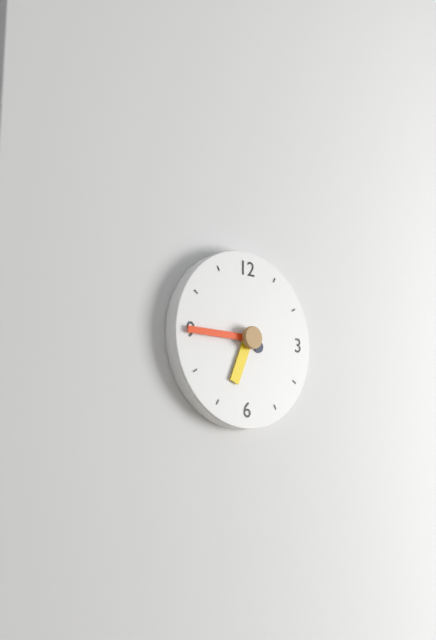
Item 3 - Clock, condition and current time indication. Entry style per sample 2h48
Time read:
6h45
